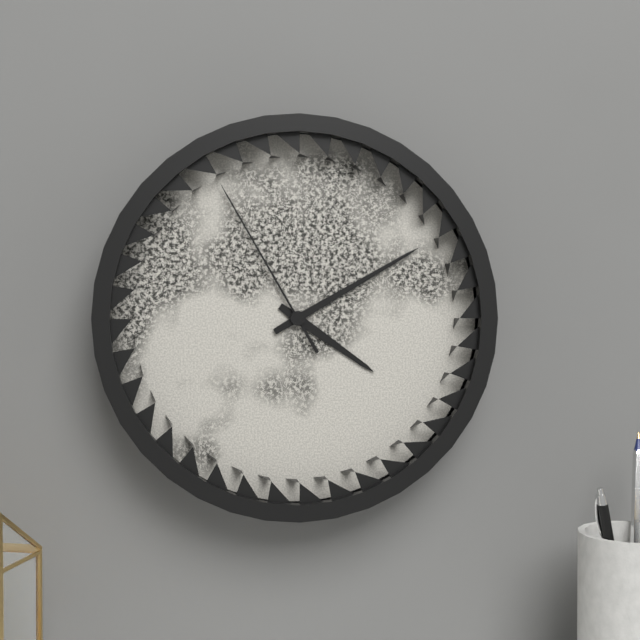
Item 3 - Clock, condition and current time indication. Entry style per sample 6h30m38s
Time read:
4h10m55s
